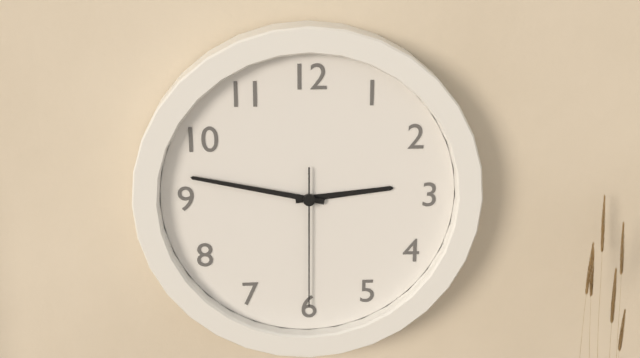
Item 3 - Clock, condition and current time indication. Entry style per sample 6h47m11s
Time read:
2h47m30s
